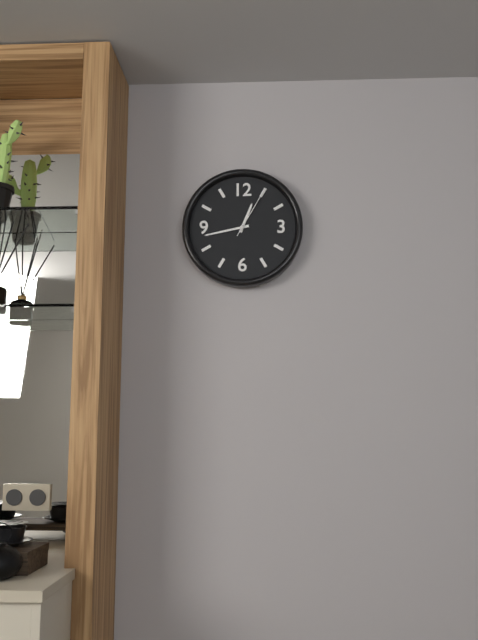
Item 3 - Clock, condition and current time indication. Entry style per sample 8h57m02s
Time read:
12h43m05s
